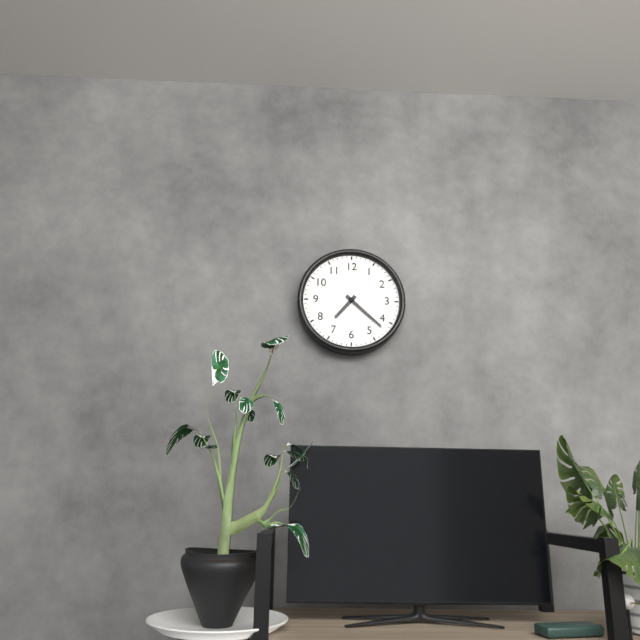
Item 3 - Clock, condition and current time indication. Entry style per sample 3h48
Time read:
7h22
